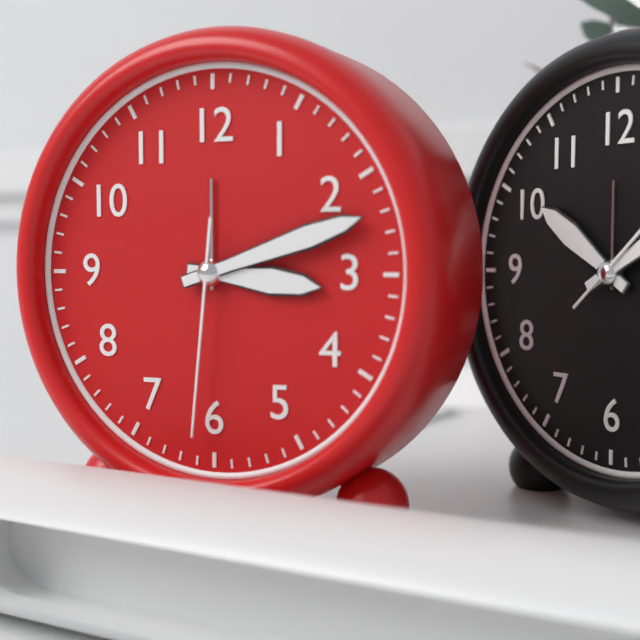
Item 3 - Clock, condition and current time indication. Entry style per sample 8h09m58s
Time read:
3h12m31s
